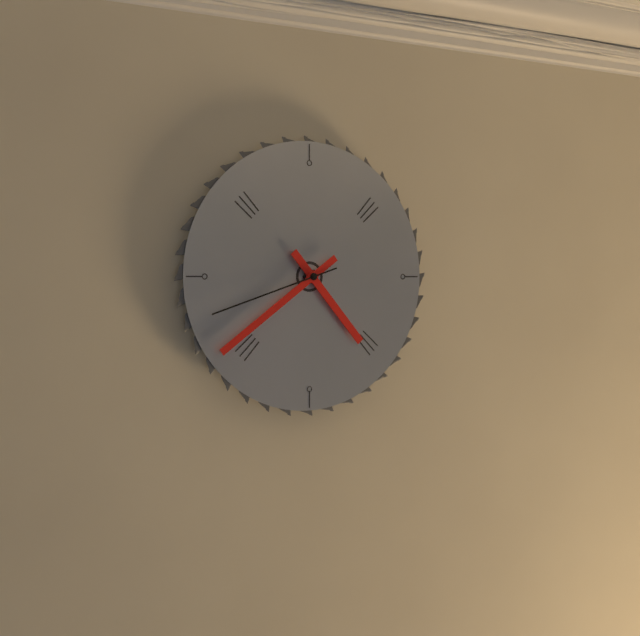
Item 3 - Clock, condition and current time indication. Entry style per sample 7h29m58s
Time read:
4h39m42s
